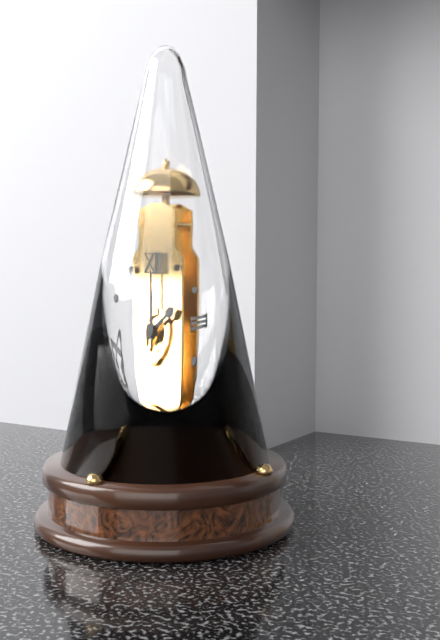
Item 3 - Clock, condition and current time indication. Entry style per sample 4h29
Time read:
2h00
